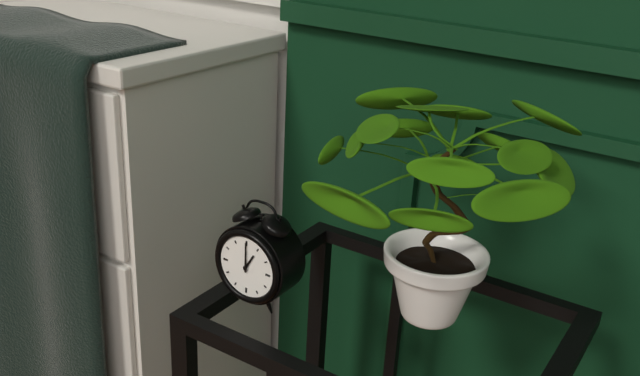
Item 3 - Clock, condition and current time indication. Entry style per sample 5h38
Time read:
1h00
